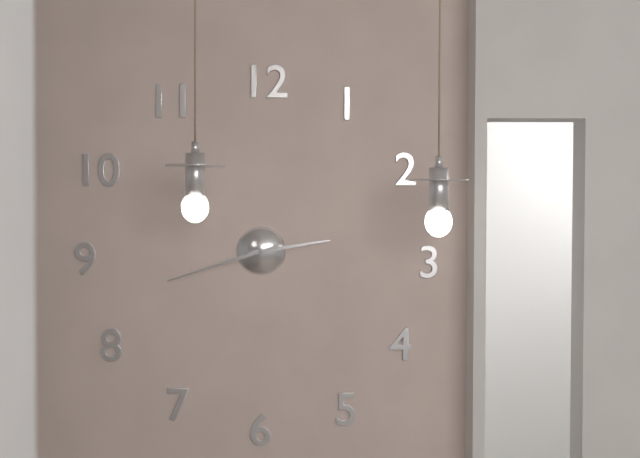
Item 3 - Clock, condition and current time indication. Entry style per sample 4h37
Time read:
2h42
